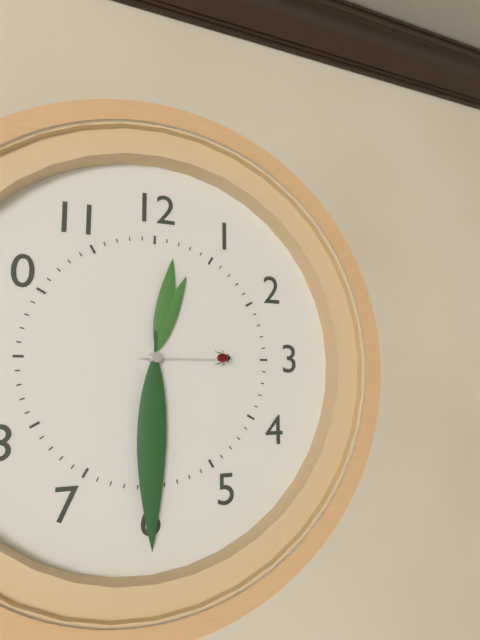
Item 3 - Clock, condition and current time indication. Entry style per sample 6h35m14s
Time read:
12h30m15s
